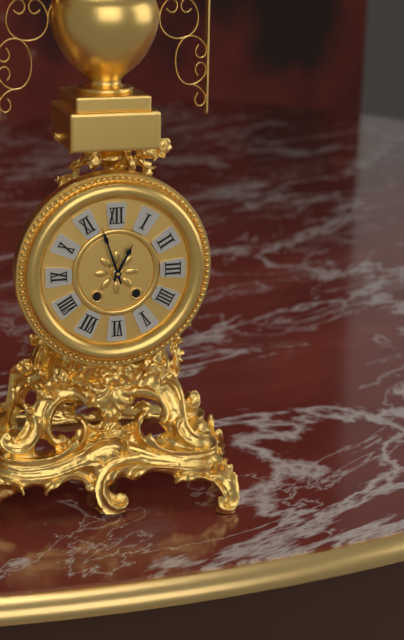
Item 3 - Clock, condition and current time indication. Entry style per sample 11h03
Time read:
12h57
